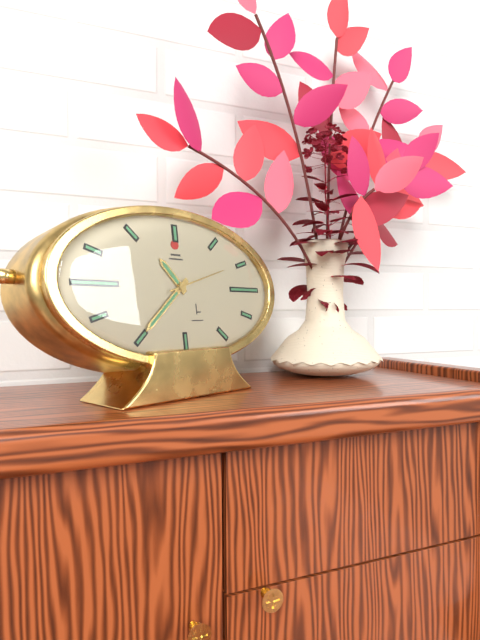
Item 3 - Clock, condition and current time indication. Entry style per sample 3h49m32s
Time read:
10h38m12s
